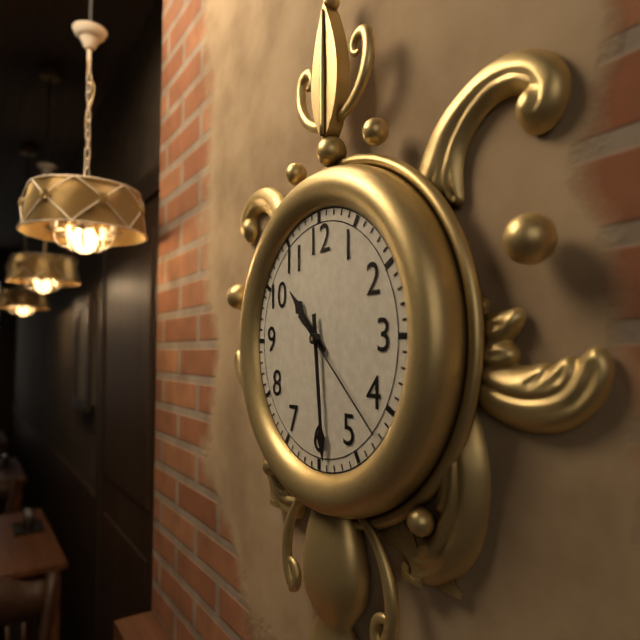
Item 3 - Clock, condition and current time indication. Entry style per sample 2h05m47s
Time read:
10h29m22s
